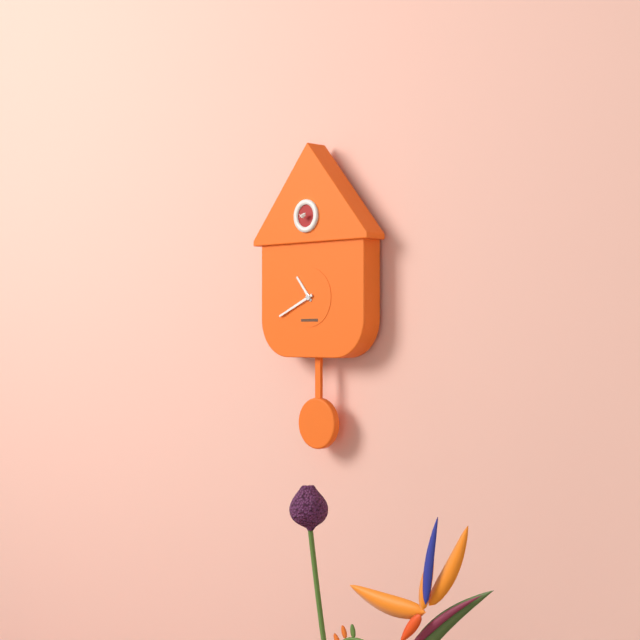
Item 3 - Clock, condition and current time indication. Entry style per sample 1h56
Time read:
10h41
